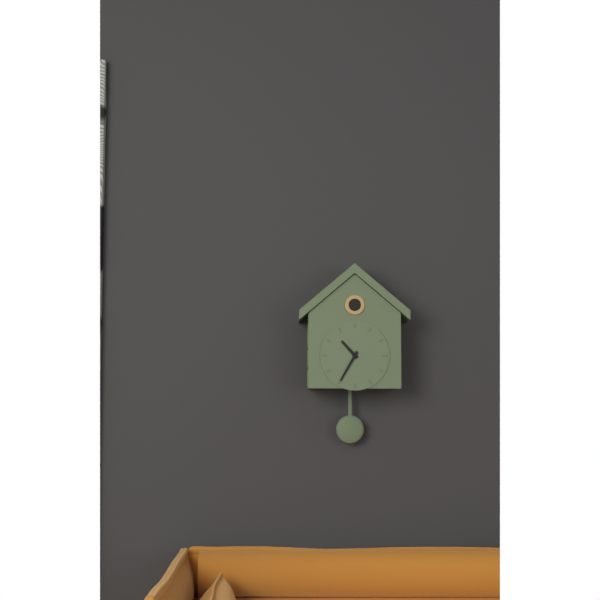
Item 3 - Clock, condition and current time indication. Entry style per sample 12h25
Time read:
10h35
